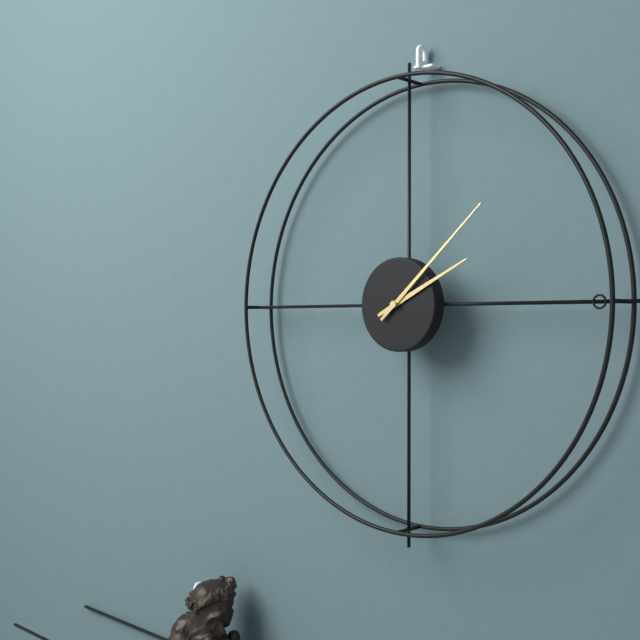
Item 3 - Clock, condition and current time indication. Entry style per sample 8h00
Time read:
2h08
